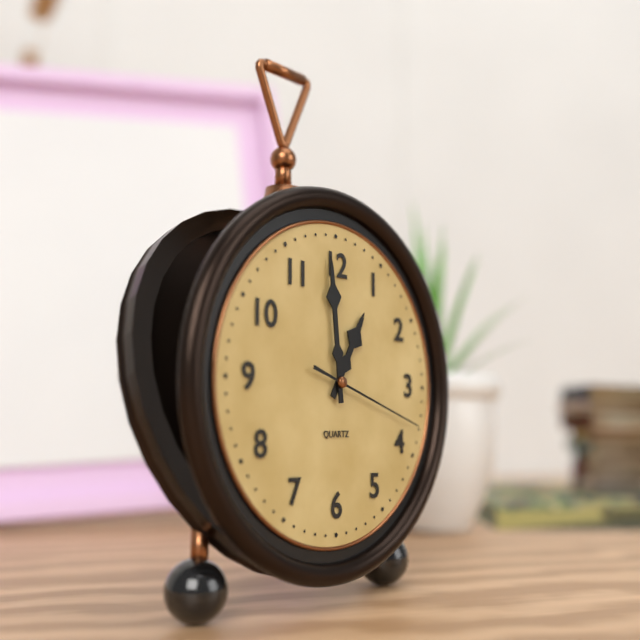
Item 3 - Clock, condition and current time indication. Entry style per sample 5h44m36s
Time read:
12h59m18s
